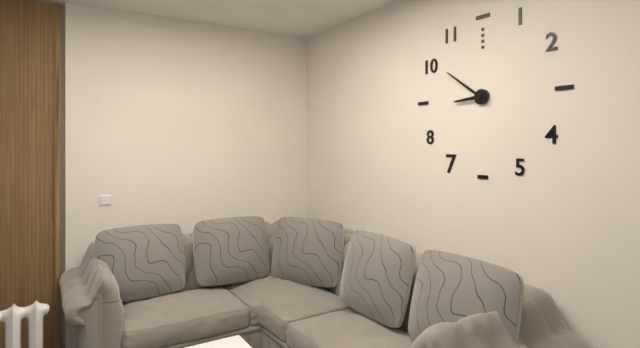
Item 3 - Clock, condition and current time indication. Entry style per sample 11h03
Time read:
8h51
